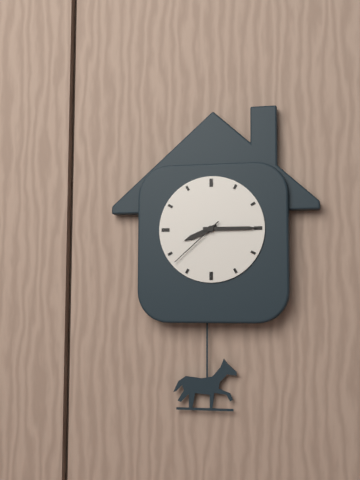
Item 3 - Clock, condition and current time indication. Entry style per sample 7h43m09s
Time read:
8h15m38s
